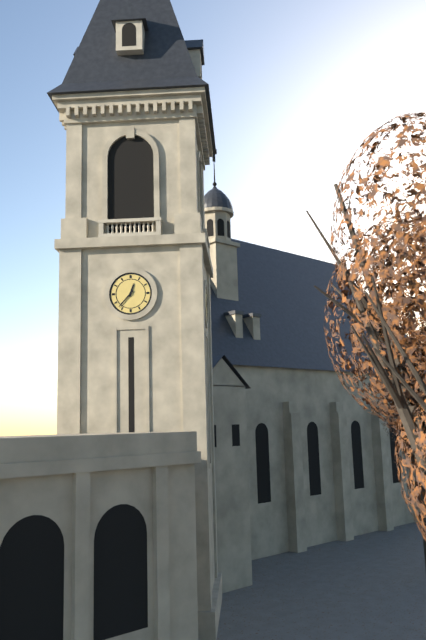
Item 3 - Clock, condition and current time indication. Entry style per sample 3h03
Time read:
12h37
